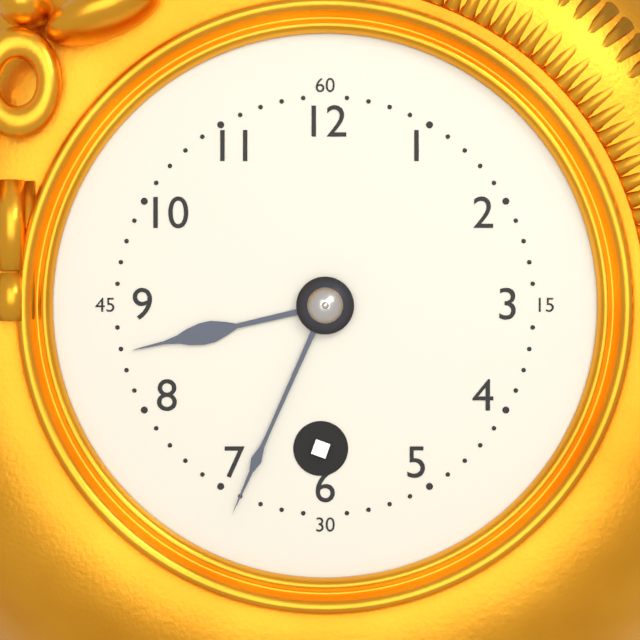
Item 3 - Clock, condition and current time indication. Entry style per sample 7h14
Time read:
8h34
